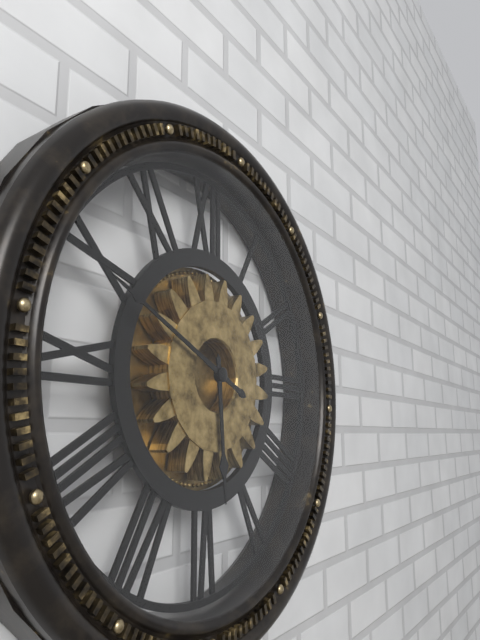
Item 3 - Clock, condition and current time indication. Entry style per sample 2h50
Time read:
5h49
